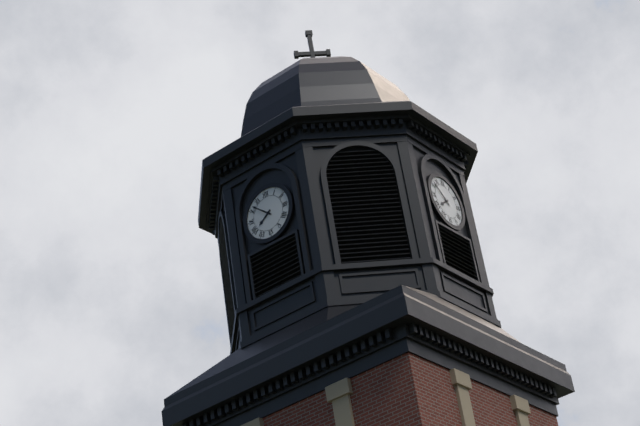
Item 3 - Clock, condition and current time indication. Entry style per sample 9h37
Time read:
7h52
